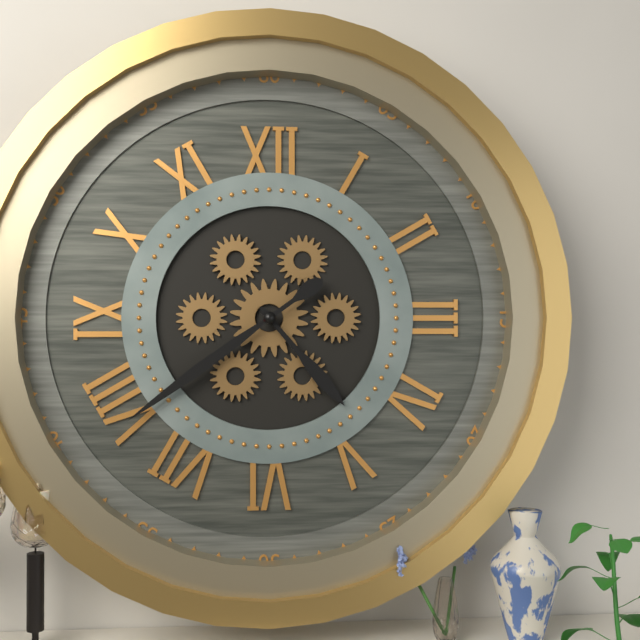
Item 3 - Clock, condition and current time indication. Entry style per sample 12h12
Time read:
4h39
